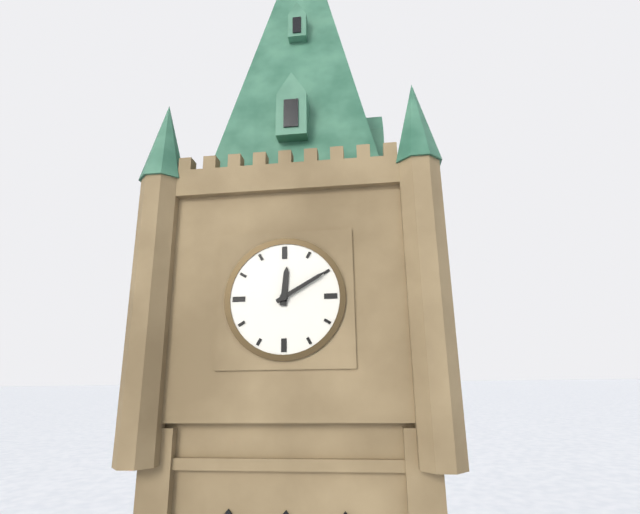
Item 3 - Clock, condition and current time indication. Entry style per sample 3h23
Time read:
12h10
